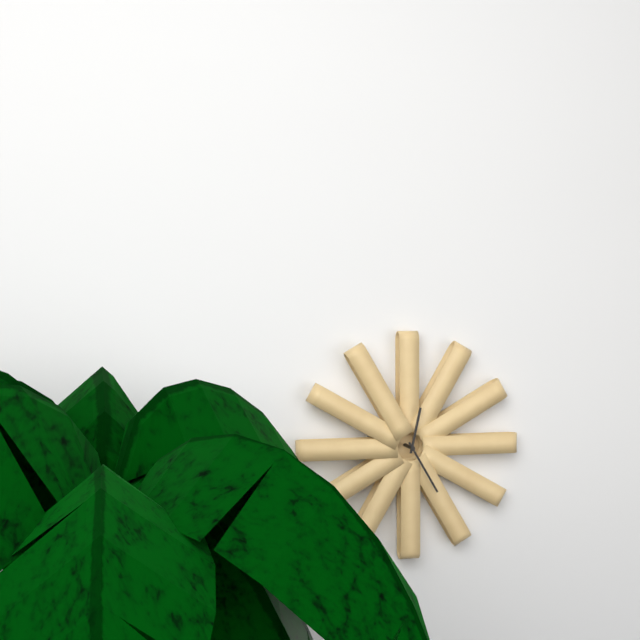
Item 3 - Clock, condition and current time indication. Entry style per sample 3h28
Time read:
12h25
